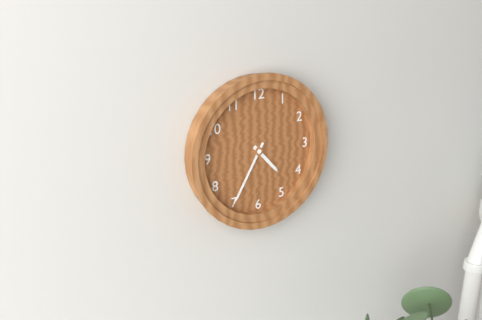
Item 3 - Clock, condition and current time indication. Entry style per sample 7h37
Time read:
4h35
